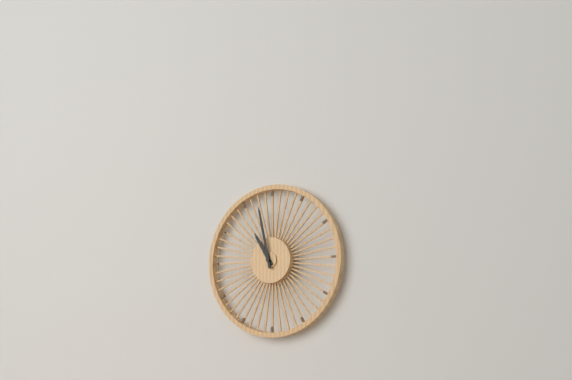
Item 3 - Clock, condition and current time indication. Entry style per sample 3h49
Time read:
10h58
